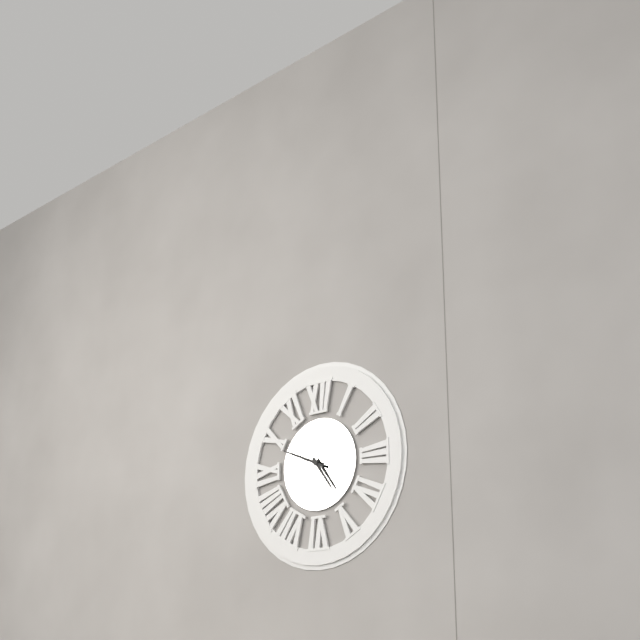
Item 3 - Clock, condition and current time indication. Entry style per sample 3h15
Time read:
4h49
